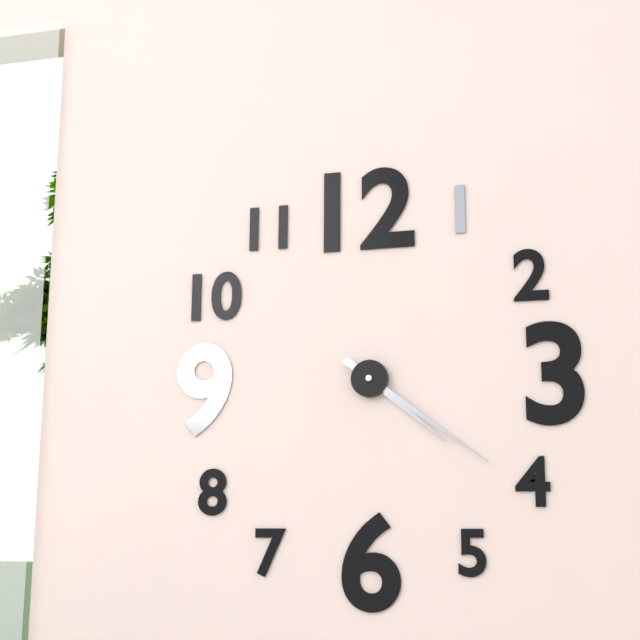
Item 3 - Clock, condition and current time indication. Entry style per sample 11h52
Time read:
4h21
